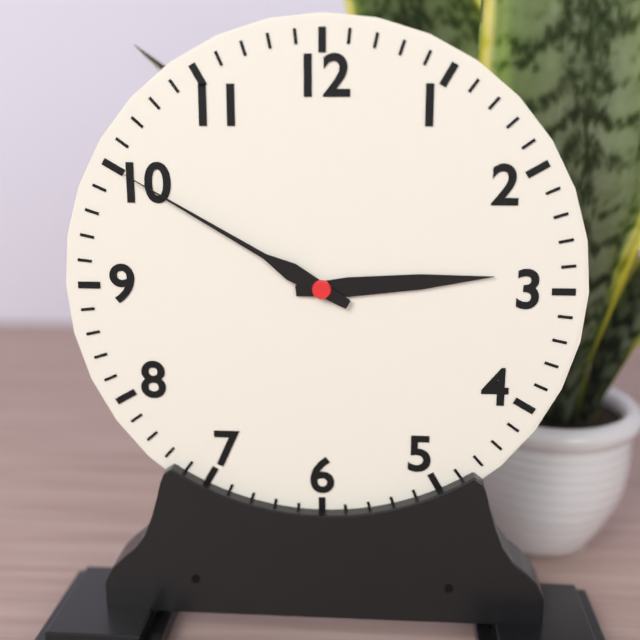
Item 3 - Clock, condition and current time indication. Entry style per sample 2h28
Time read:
2h50
